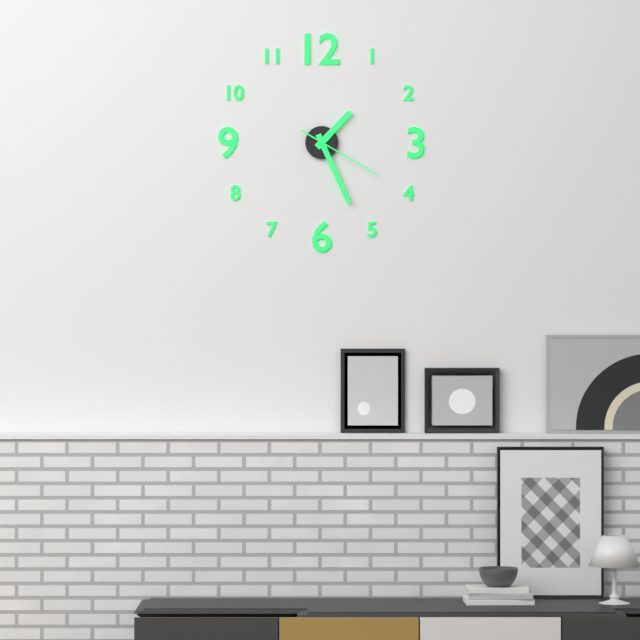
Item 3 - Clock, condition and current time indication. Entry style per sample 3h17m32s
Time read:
1h26m20s
